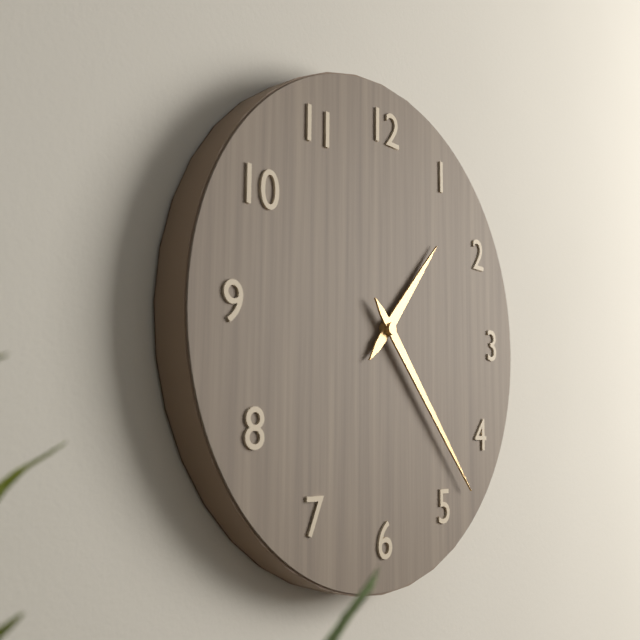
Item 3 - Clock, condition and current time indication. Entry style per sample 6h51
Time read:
1h23
